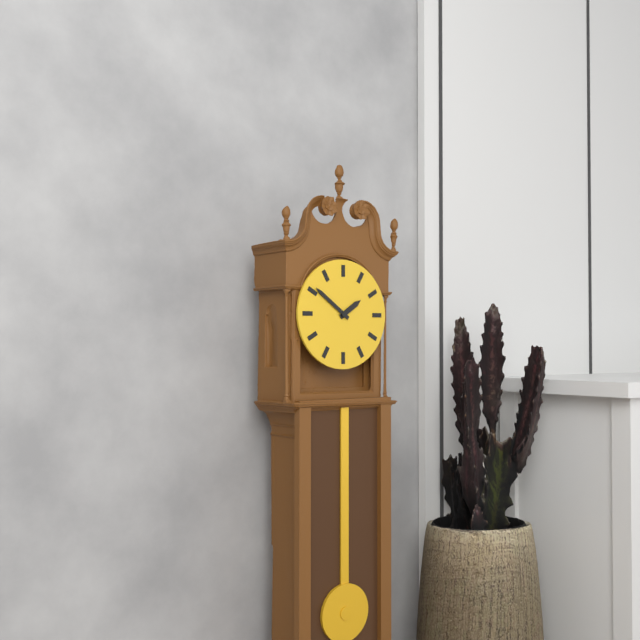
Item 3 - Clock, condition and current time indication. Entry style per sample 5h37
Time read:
1h51
